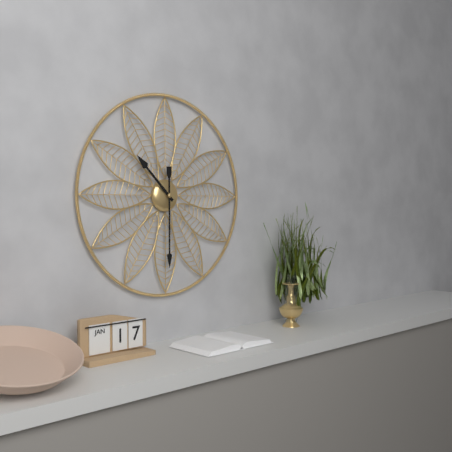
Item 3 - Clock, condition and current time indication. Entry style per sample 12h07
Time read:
10h30
